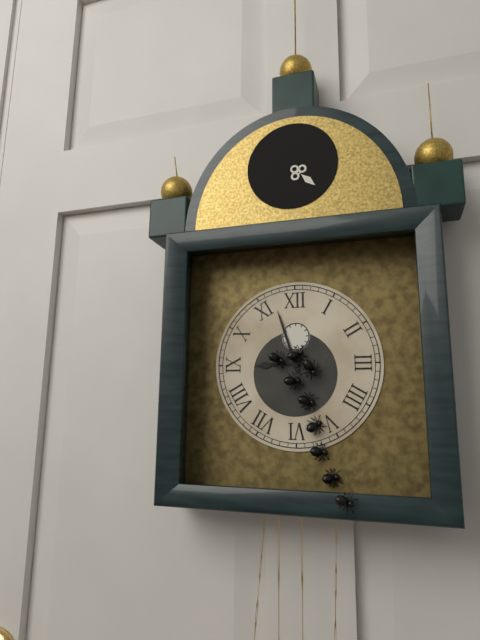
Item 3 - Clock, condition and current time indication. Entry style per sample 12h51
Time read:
8h57
